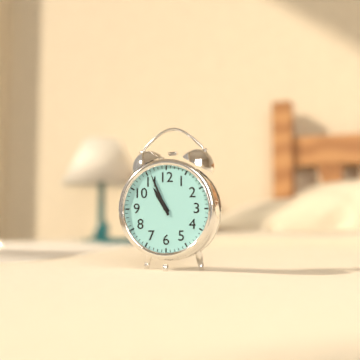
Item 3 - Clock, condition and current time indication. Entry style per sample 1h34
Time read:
10h56
